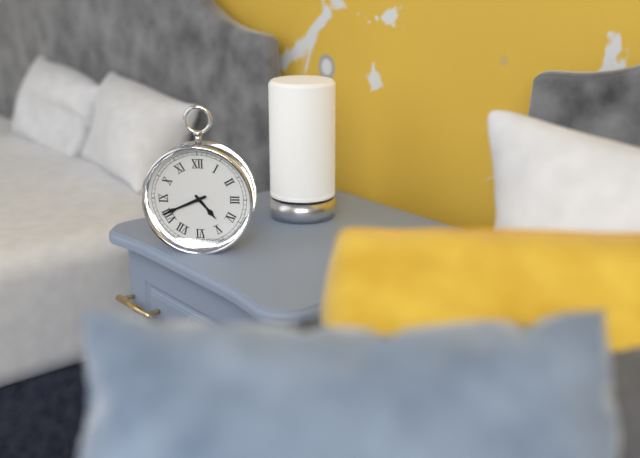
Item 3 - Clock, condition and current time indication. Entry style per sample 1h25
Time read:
4h41
